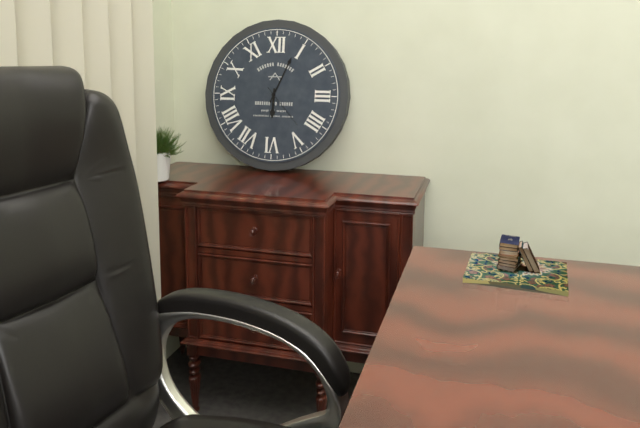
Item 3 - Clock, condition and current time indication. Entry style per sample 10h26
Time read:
6h04
